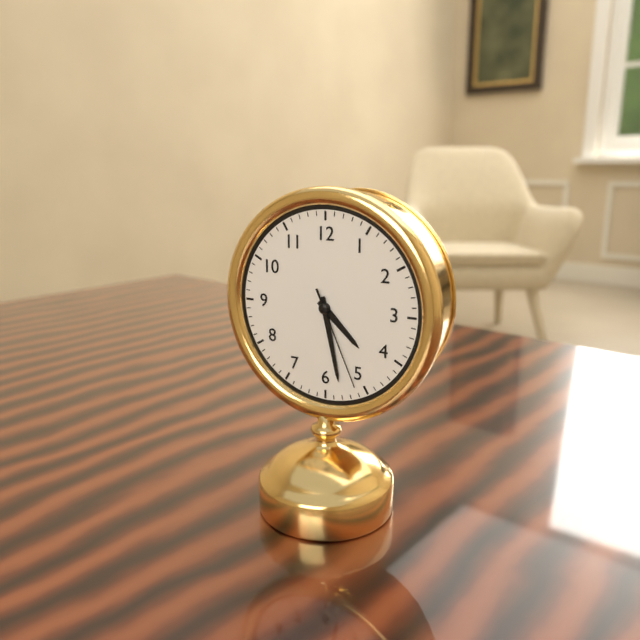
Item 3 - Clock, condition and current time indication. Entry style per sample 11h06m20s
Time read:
4h28m26s
